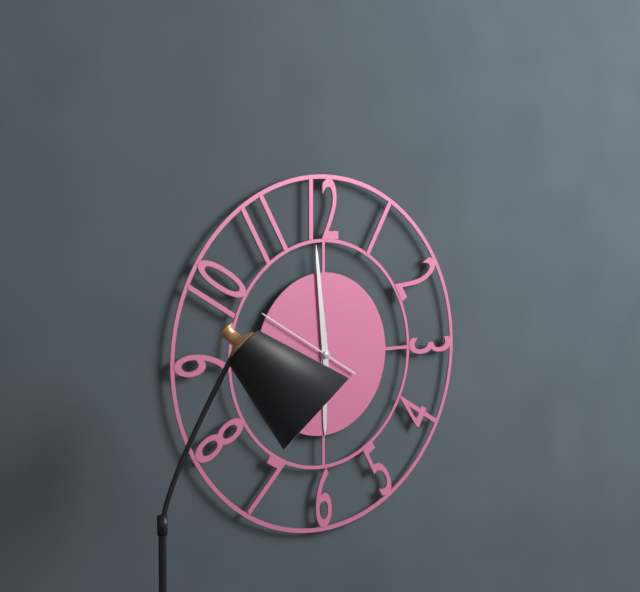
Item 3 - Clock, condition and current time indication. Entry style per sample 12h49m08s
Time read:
5h59m50s
